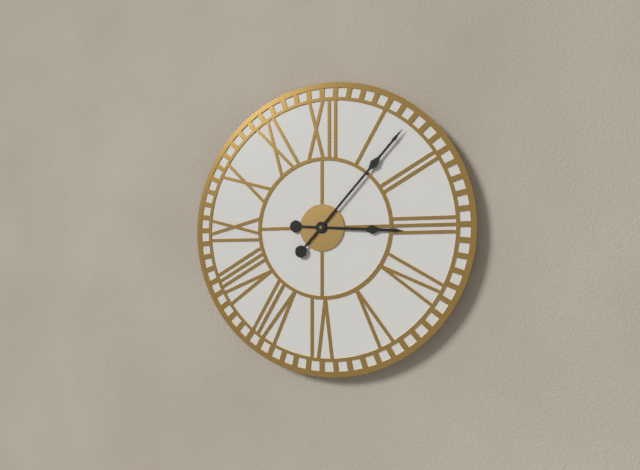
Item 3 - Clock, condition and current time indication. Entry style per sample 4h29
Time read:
3h07
